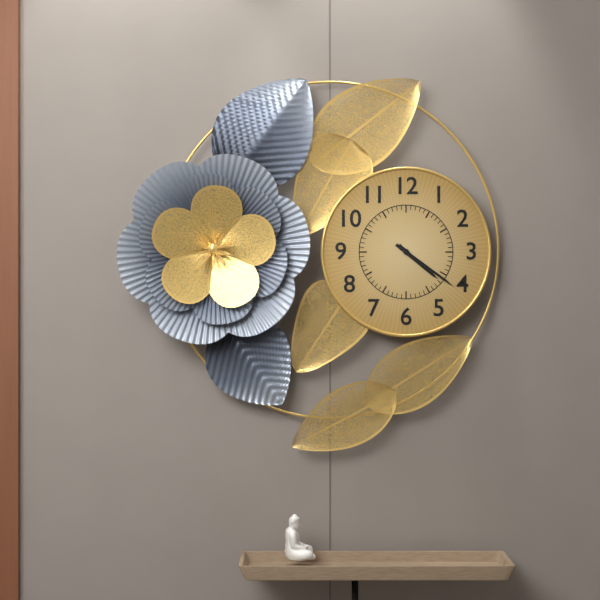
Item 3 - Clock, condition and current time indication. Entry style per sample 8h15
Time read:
4h21
